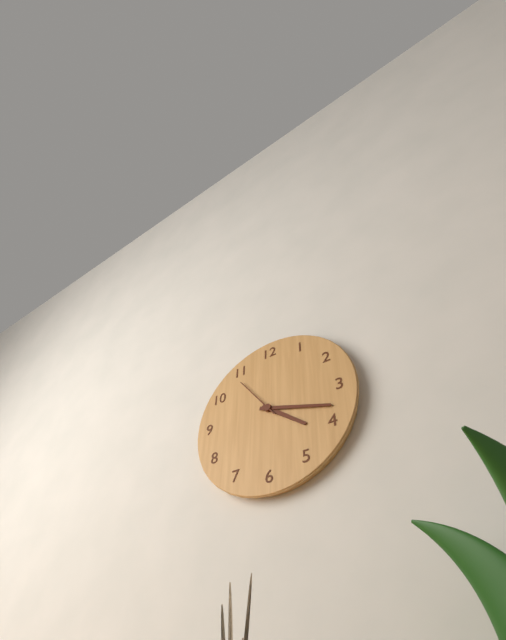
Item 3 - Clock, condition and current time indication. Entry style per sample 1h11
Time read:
4h18
